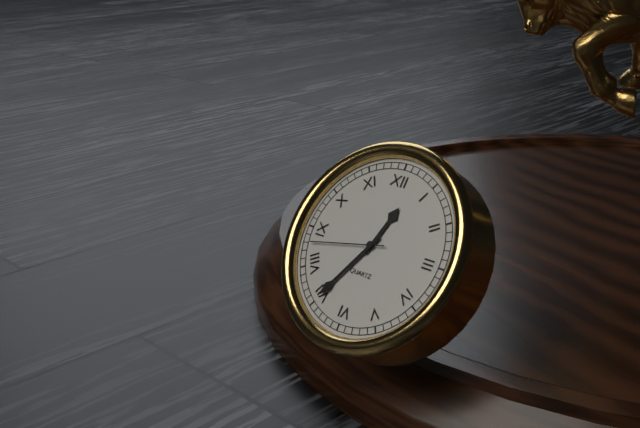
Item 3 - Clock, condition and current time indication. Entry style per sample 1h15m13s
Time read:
12h35m43s
